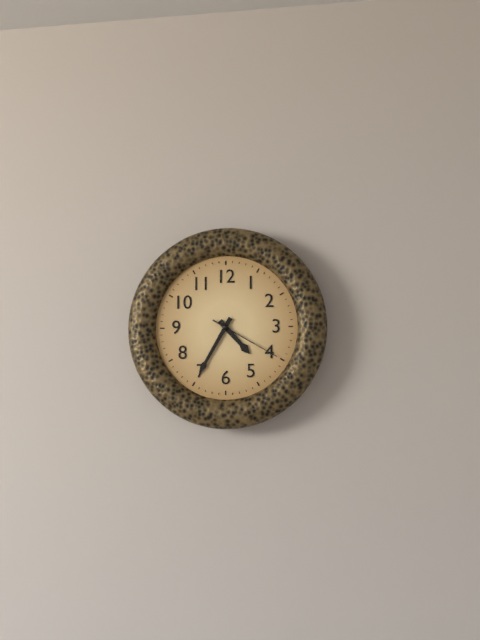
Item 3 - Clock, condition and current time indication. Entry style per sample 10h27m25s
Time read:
4h35m20s
